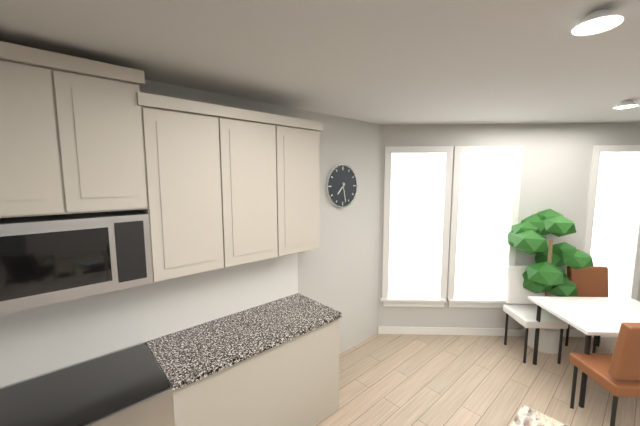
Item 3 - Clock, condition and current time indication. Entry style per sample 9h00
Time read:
7h28
